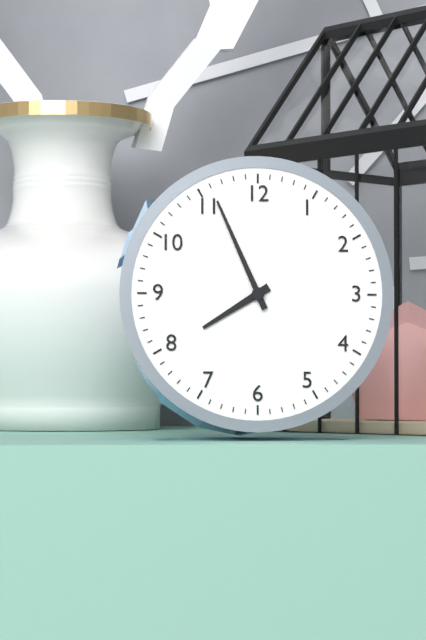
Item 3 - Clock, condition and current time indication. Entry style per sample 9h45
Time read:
7h56
